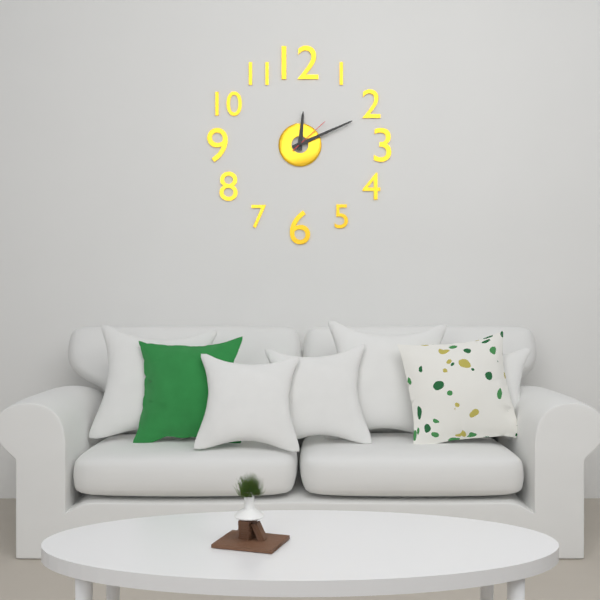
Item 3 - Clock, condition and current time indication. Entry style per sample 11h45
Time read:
12h11
